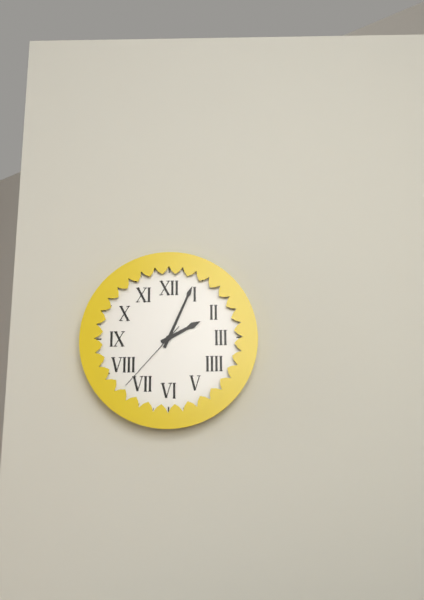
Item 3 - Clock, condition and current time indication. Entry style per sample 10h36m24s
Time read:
2h04m37s
